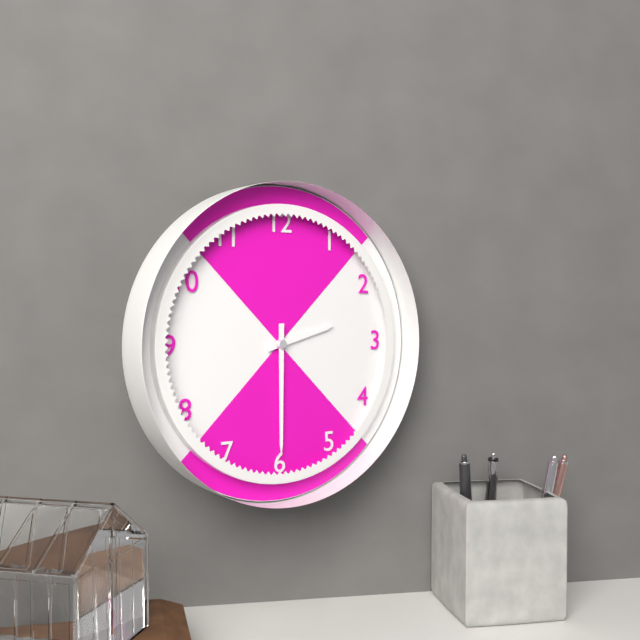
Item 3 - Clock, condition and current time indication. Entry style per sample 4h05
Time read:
2h30
